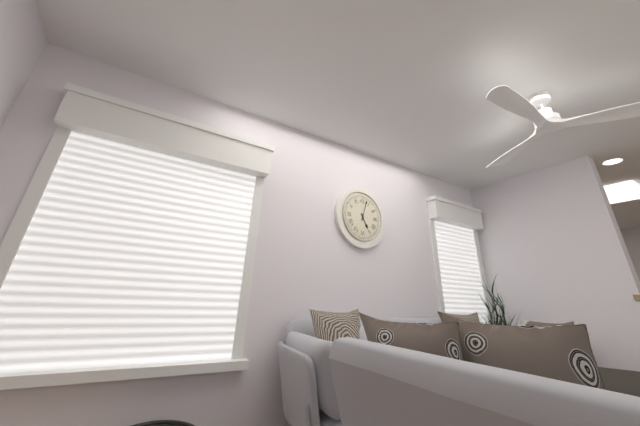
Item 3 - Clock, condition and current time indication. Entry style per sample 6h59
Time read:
5h03
